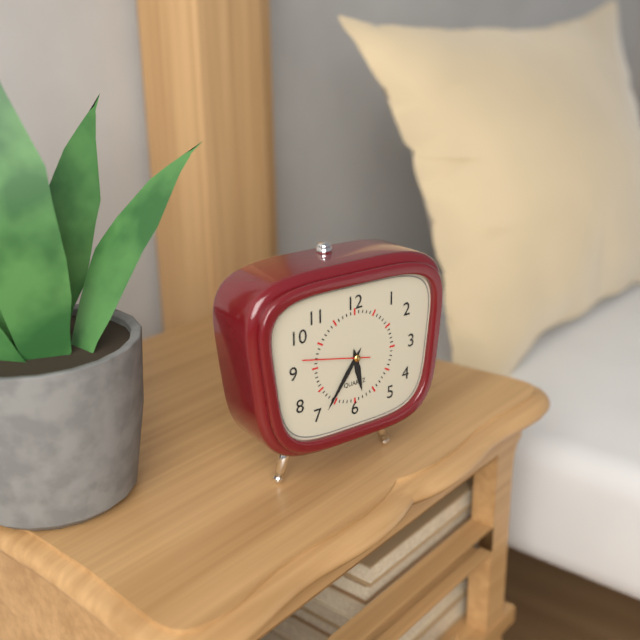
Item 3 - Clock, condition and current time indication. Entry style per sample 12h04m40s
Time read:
5h36m47s
